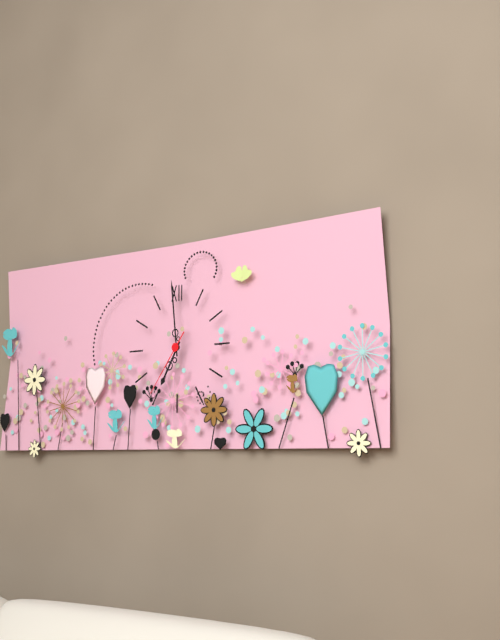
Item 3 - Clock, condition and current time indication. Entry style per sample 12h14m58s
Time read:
6h59m36s
